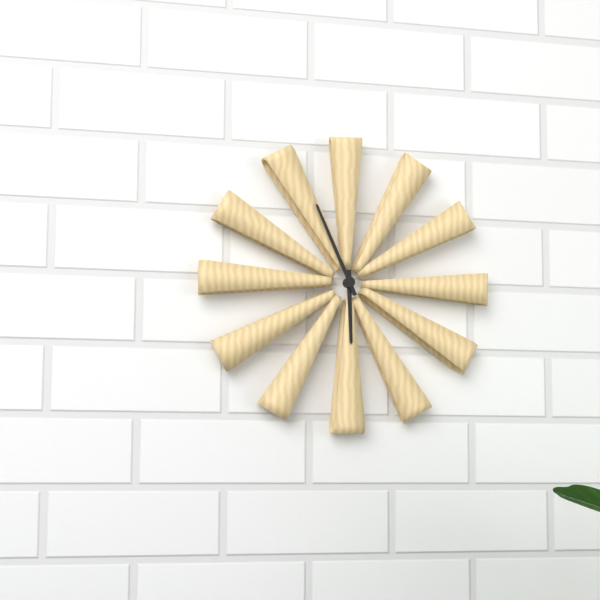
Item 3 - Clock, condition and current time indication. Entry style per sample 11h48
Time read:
5h56
